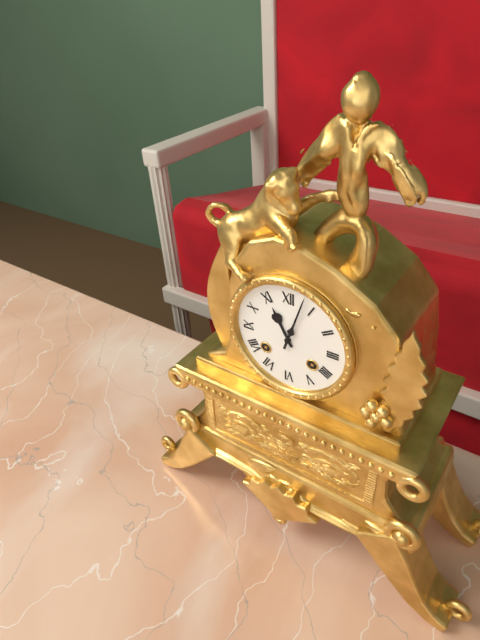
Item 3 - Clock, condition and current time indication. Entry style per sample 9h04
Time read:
11h03
